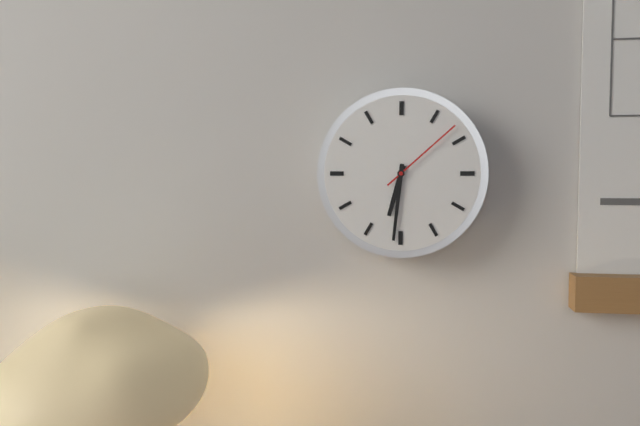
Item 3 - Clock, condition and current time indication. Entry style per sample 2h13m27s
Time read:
6h31m08s
